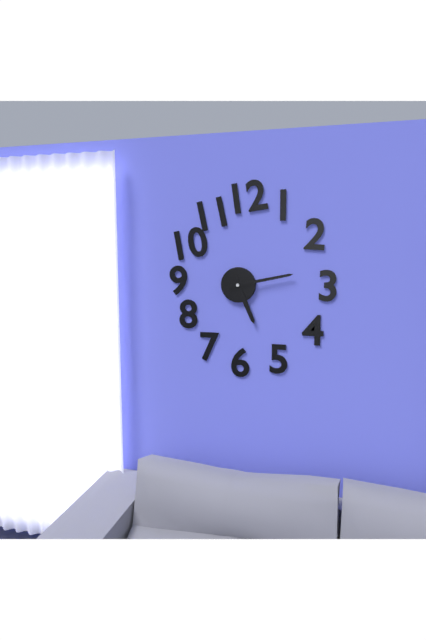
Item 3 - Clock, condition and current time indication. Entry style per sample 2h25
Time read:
5h13
